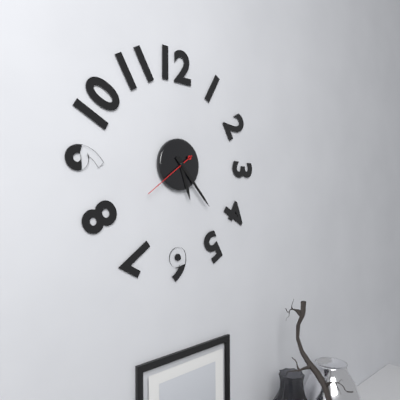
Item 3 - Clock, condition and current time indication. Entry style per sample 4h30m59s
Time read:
5h23m39s
